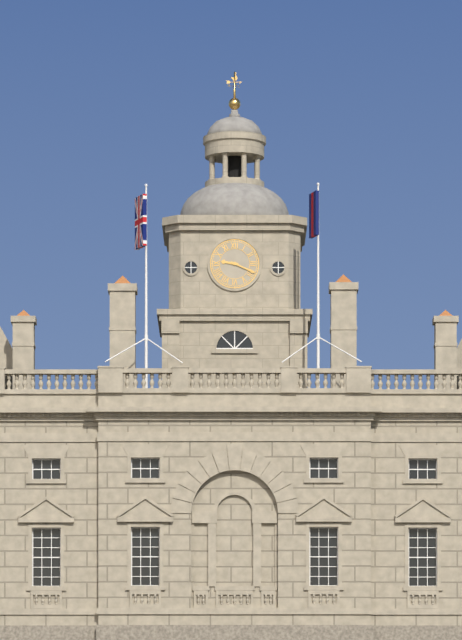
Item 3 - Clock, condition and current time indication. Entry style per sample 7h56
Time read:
9h19
